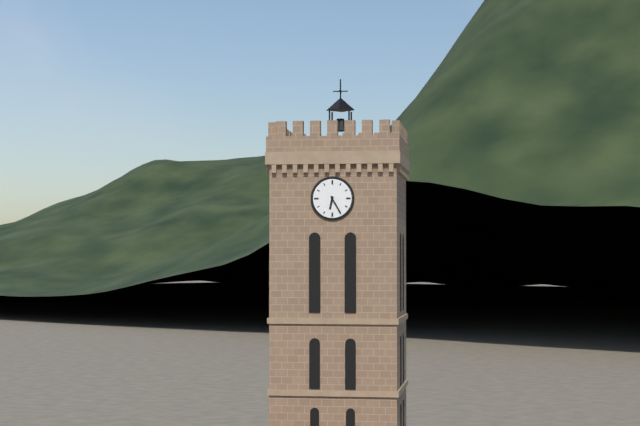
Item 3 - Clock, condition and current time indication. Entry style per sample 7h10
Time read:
6h25
